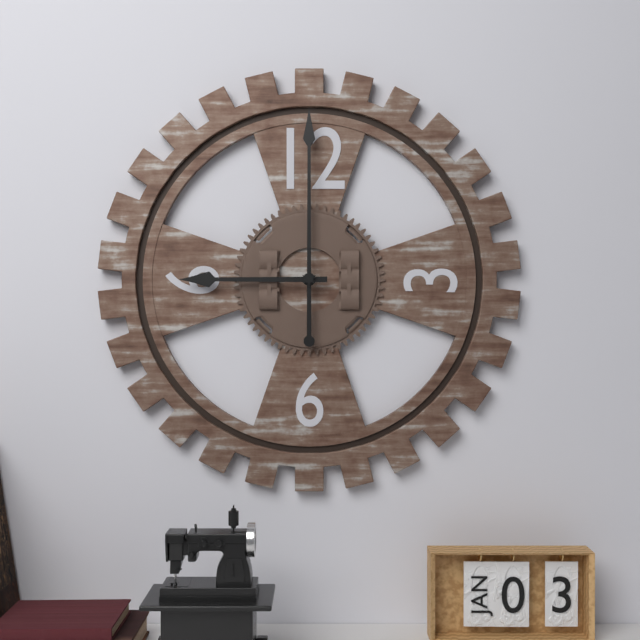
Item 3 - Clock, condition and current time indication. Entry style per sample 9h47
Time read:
9h00
